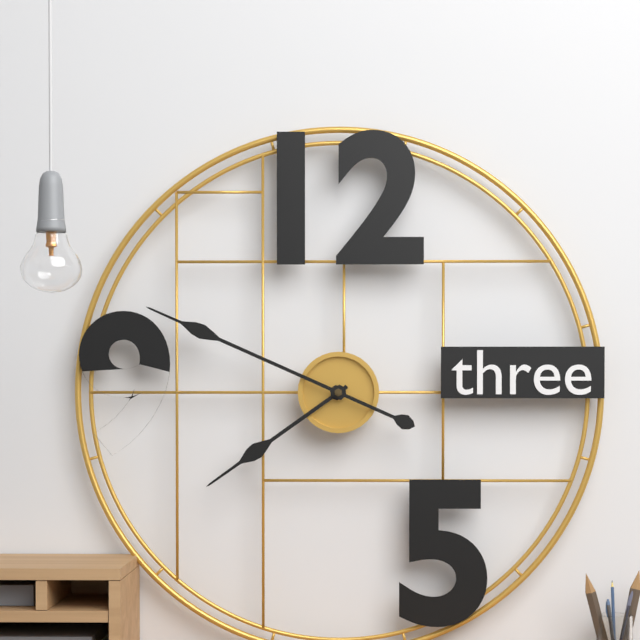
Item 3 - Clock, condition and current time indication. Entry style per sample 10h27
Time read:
7h49
